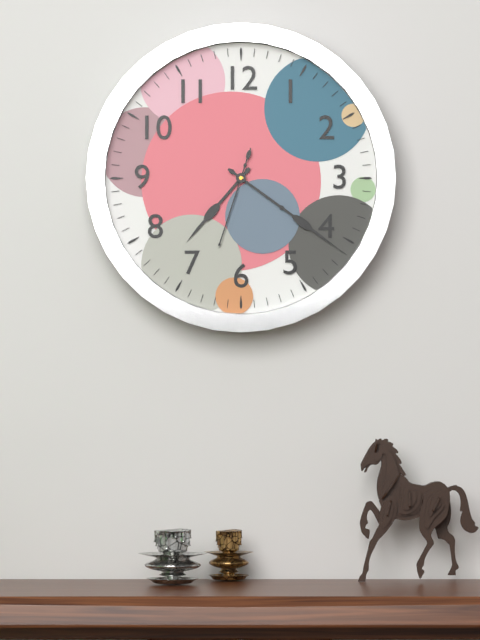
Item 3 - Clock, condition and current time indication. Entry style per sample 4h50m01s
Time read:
7h21m33s
